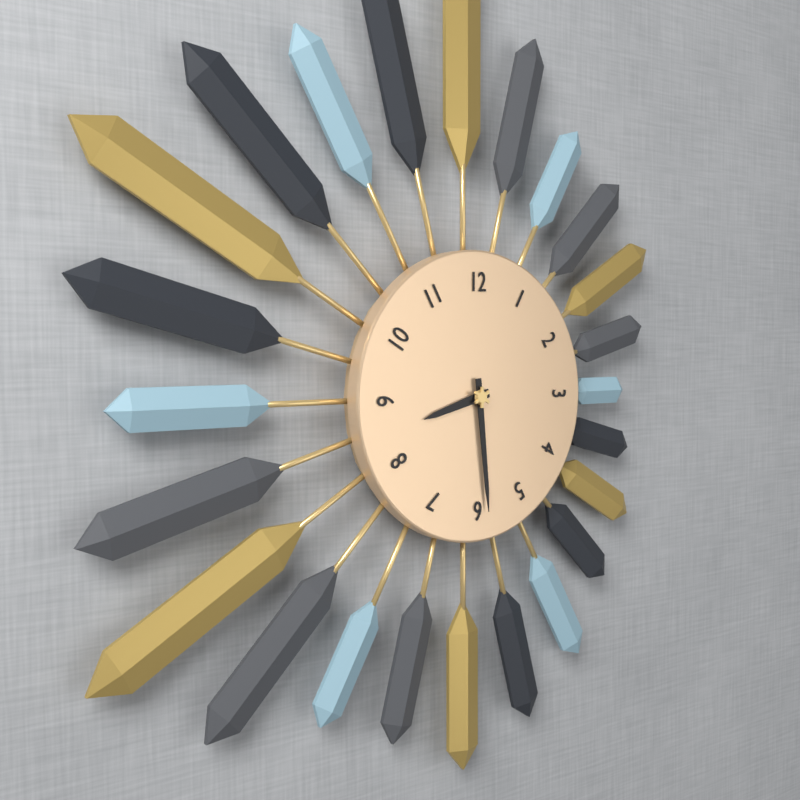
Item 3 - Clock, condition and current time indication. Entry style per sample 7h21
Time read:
8h29
